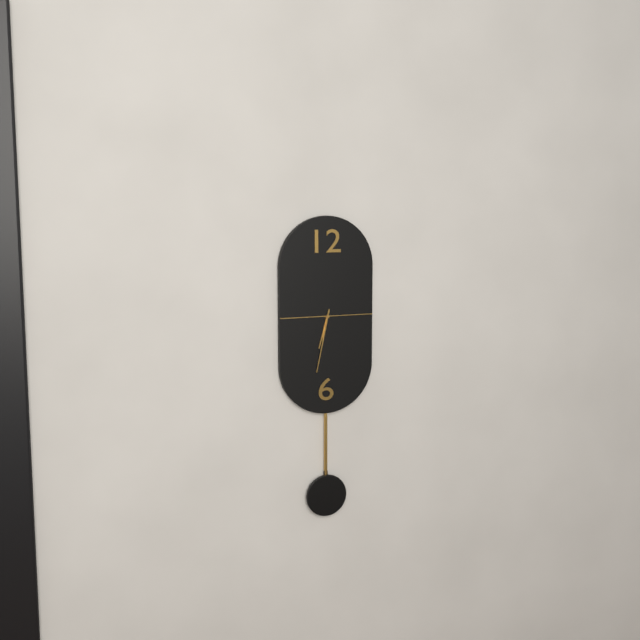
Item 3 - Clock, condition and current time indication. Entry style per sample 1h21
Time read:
6h32
